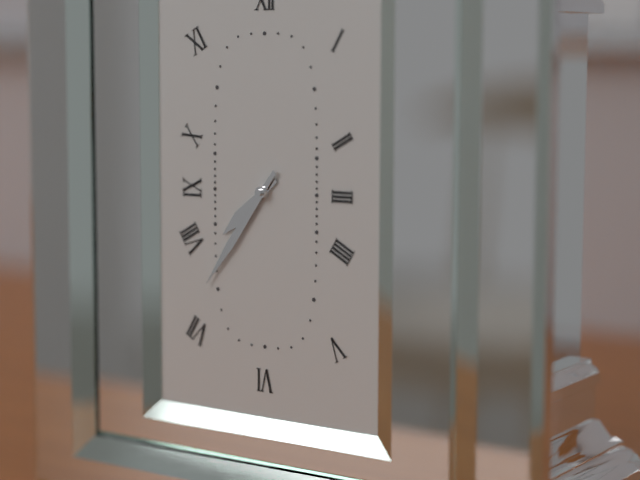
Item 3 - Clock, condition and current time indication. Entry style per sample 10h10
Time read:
7h36
